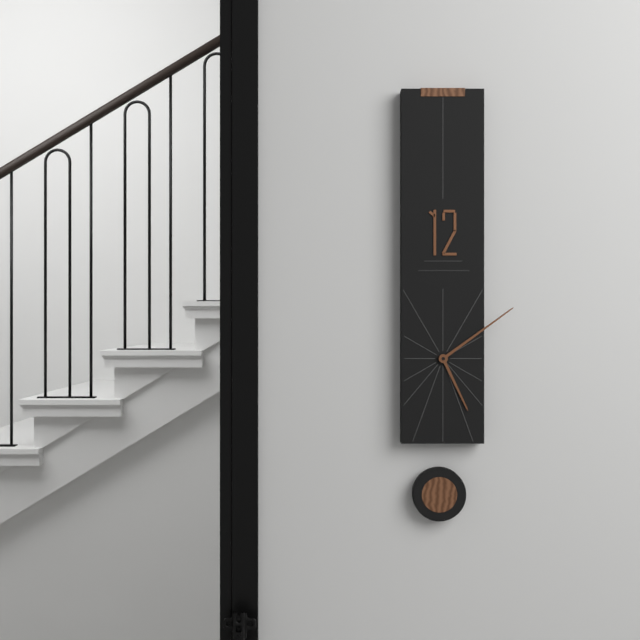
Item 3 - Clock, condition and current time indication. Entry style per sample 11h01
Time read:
5h09
